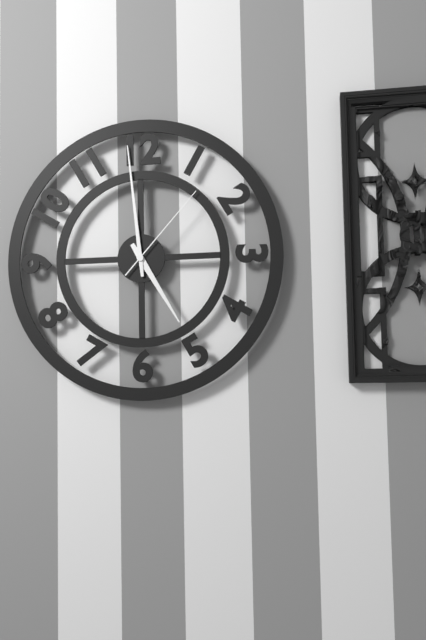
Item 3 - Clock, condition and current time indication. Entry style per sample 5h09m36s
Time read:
4h59m07s
